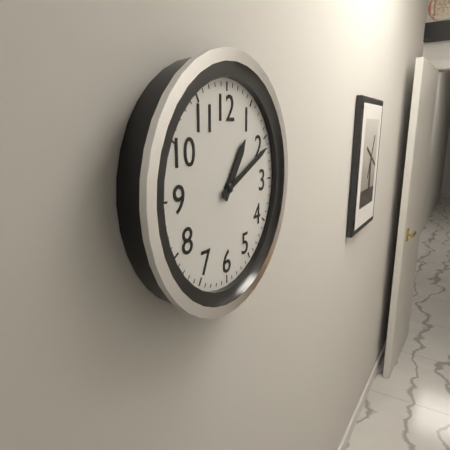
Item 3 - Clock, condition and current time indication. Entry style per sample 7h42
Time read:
1h11
